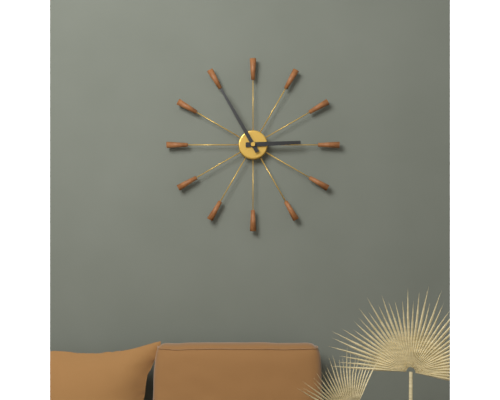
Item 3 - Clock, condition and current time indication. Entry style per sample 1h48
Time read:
2h55
